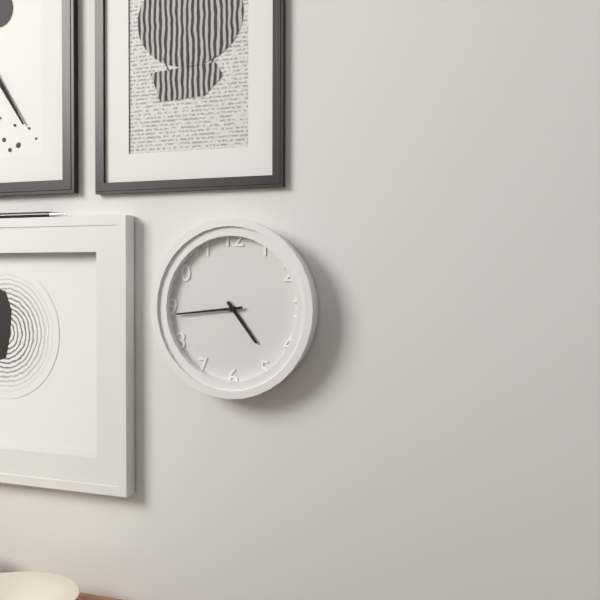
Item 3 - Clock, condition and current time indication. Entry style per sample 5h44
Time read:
4h44
